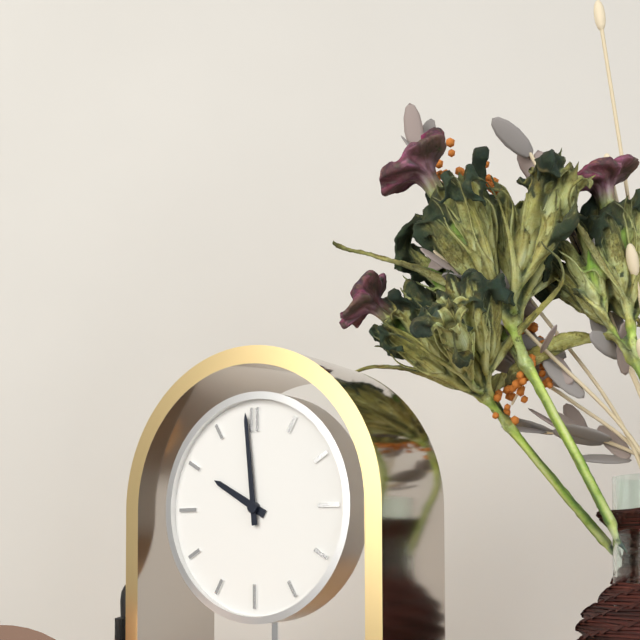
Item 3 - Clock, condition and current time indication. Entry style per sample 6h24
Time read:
9h59
